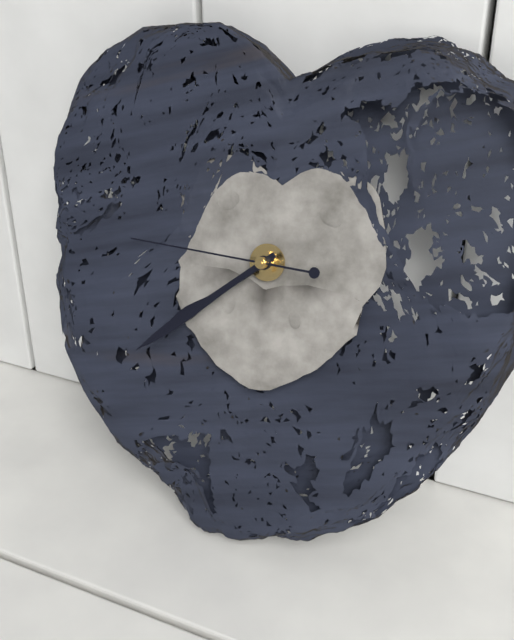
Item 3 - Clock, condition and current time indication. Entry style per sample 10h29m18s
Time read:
7h38m45s
